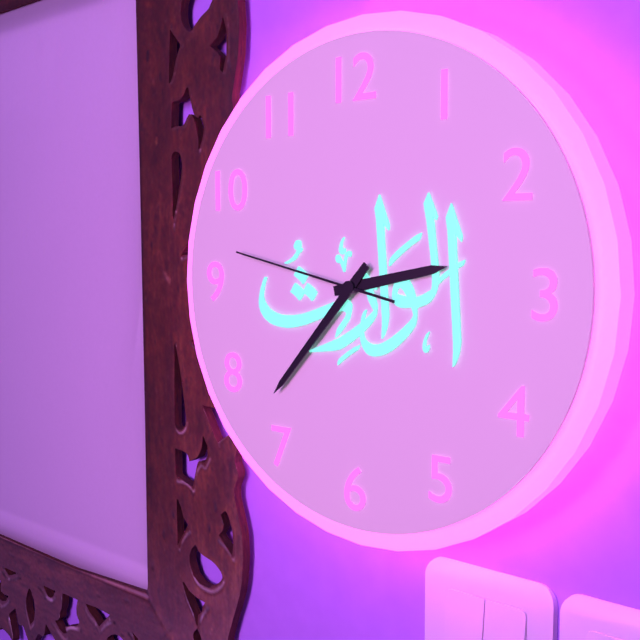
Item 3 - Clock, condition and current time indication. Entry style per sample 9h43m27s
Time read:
2h37m47s
